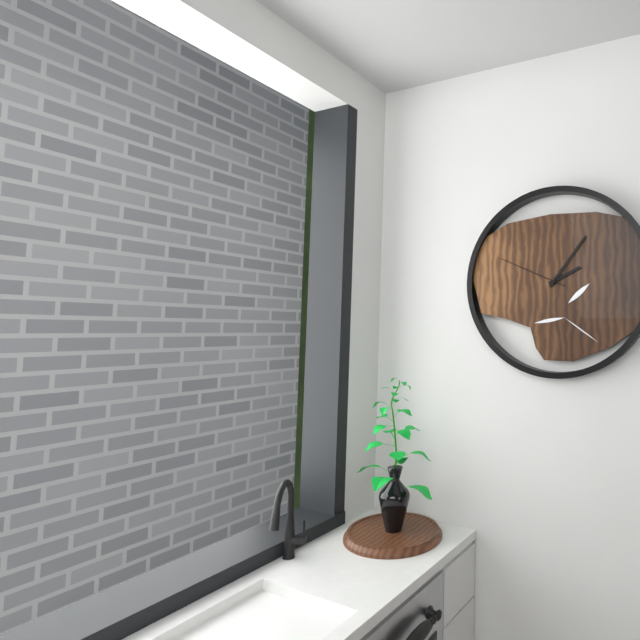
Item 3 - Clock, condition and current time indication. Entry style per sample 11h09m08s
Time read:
2h06m49s
